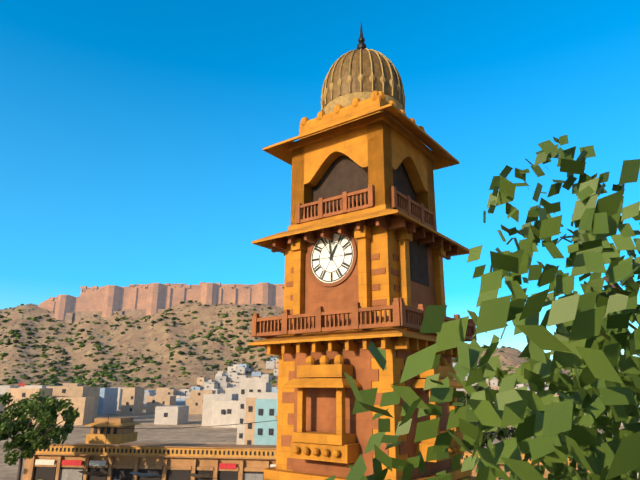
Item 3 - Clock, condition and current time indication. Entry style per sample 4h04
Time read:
12h59
